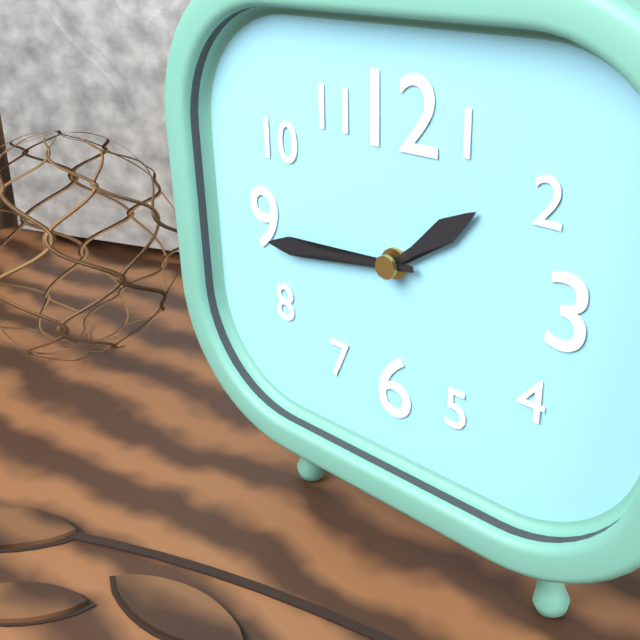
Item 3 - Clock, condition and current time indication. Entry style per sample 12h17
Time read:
1h44
